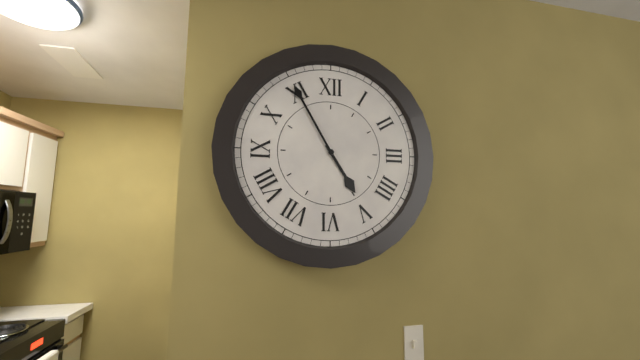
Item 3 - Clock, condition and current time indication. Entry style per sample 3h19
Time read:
4h55
